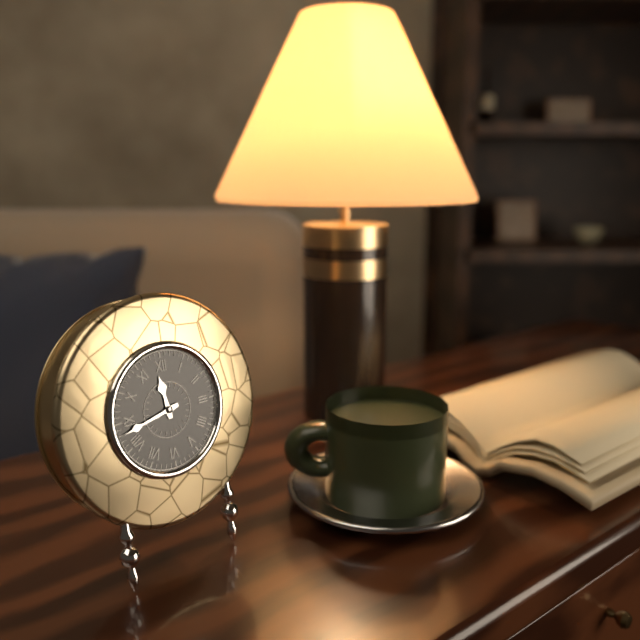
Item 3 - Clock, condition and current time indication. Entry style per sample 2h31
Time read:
11h43
